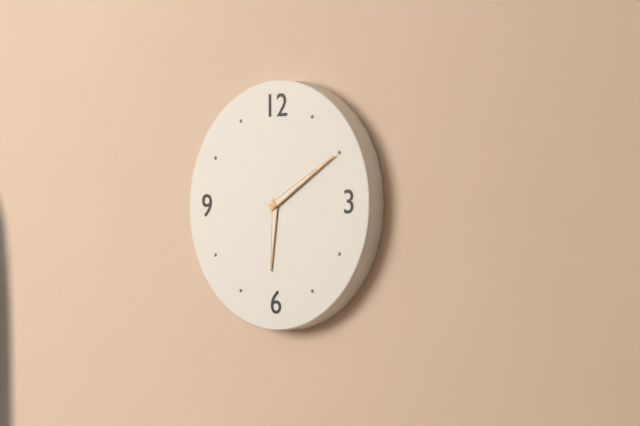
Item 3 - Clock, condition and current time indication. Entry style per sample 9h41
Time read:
6h10
